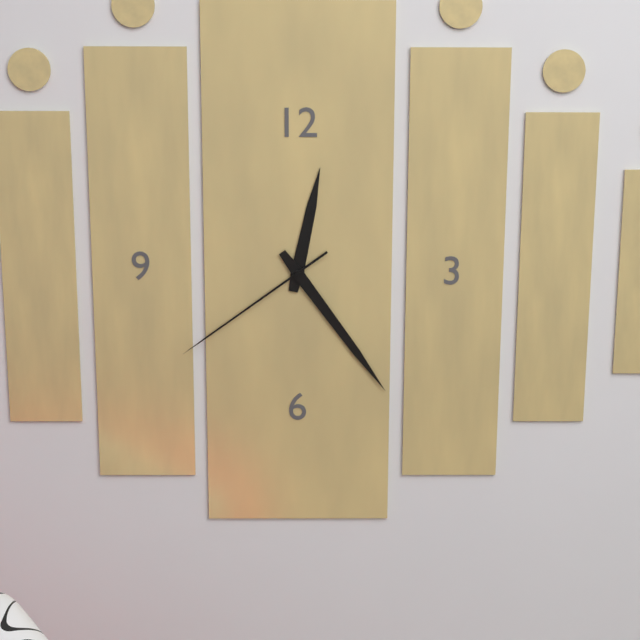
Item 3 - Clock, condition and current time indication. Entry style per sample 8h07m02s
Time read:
12h24m39s
